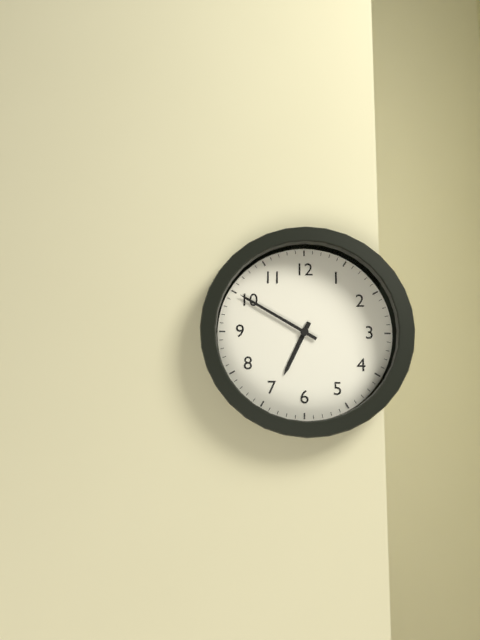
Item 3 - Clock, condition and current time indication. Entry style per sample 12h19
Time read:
6h50
